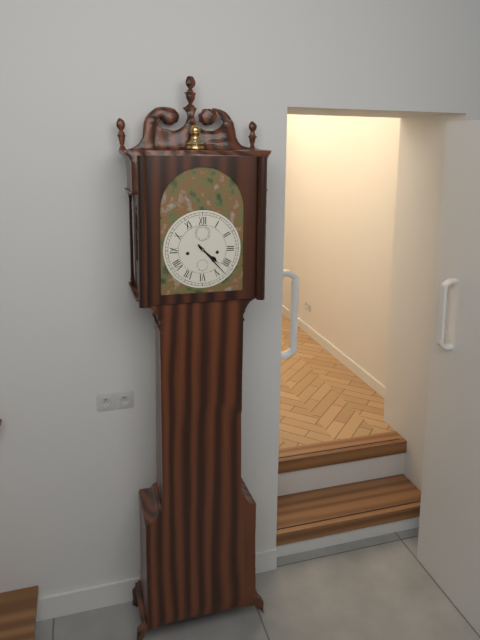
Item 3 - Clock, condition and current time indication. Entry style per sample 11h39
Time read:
4h23
